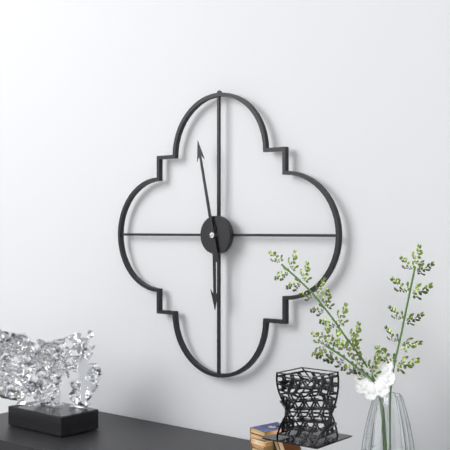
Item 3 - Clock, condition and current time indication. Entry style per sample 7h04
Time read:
5h58
